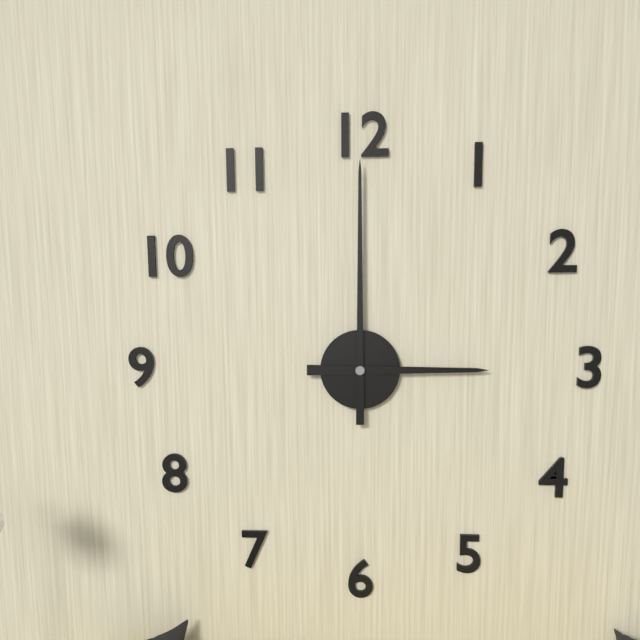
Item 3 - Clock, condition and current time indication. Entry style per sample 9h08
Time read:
3h00
